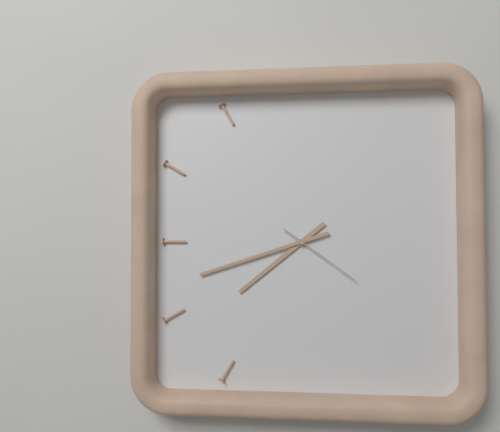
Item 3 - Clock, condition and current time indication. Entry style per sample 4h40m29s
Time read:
7h42m21s
